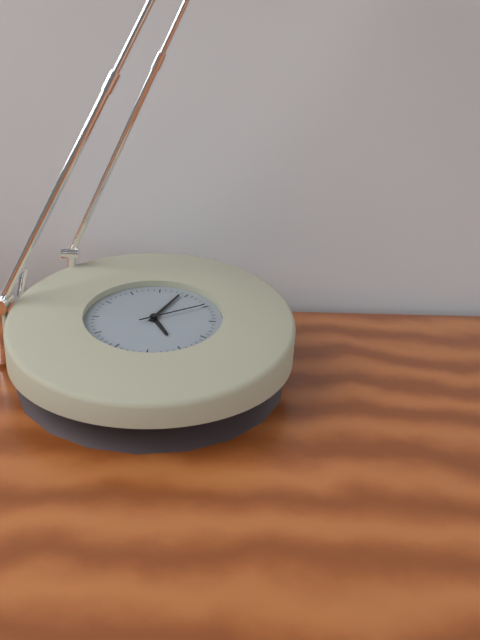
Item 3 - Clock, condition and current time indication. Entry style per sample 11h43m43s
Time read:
5h04m10s
